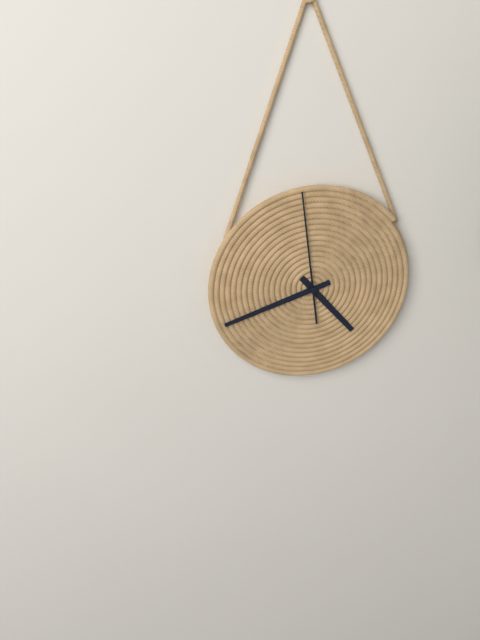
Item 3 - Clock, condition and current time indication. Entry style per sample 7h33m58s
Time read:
4h42m59s
